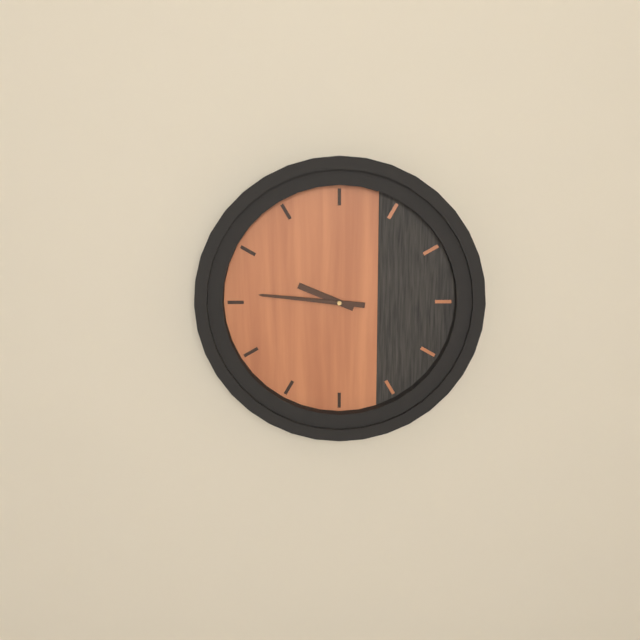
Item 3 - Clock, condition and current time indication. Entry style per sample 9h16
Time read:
9h46
